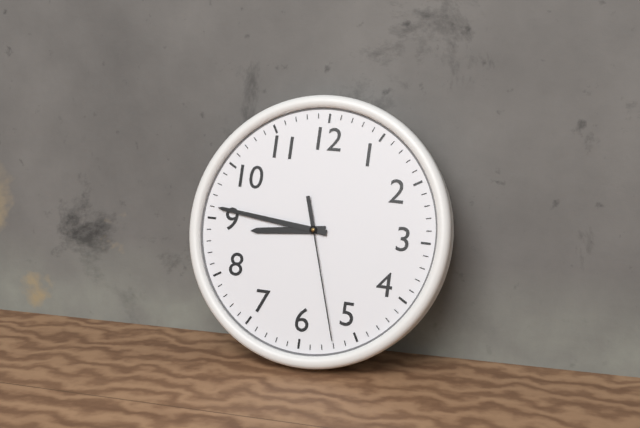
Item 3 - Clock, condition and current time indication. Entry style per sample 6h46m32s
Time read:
8h46m27s
